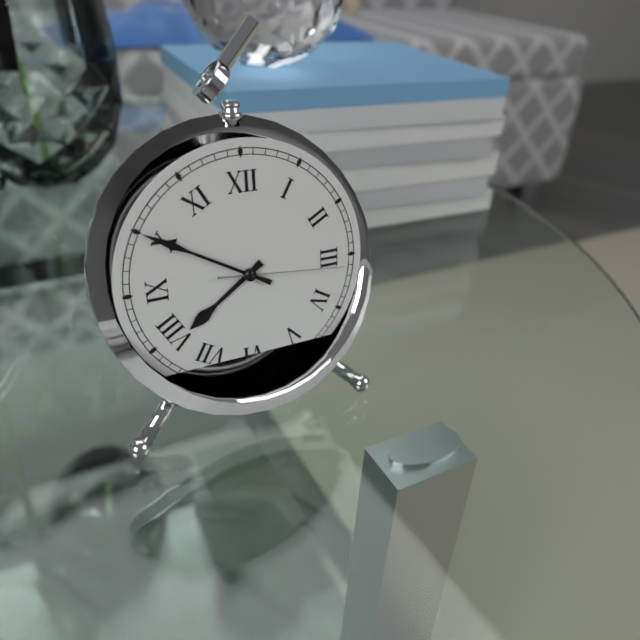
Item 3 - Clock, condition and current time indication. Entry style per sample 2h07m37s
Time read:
7h50m16s
